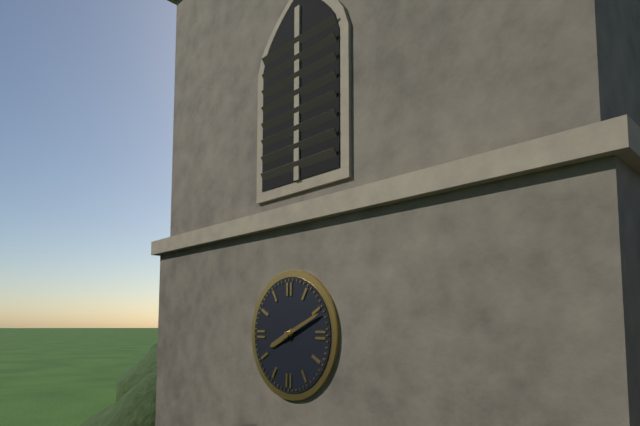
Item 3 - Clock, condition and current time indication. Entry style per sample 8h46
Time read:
8h11
